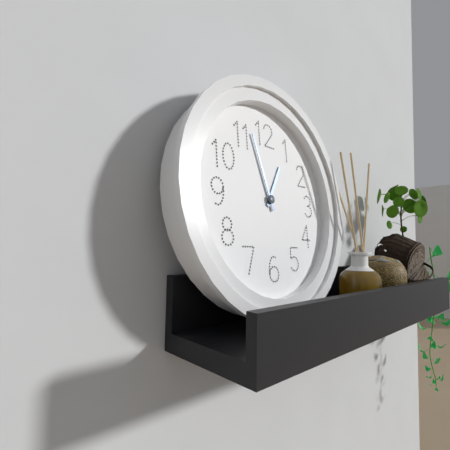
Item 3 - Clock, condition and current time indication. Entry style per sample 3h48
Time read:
12h57
